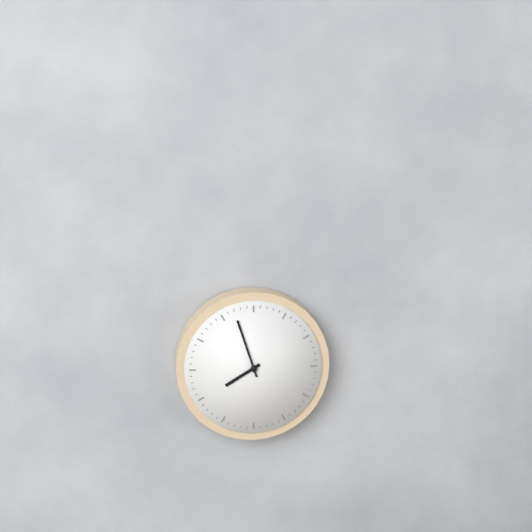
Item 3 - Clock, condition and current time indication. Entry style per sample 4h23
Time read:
7h57
